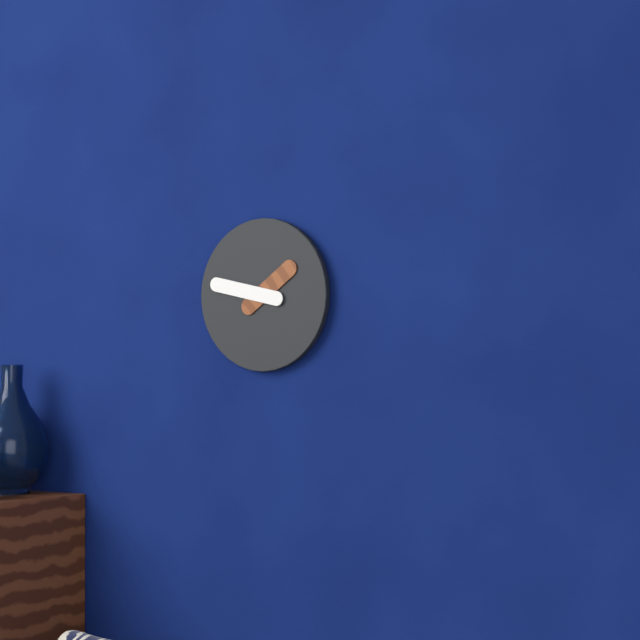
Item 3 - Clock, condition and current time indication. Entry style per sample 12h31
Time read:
1h47
